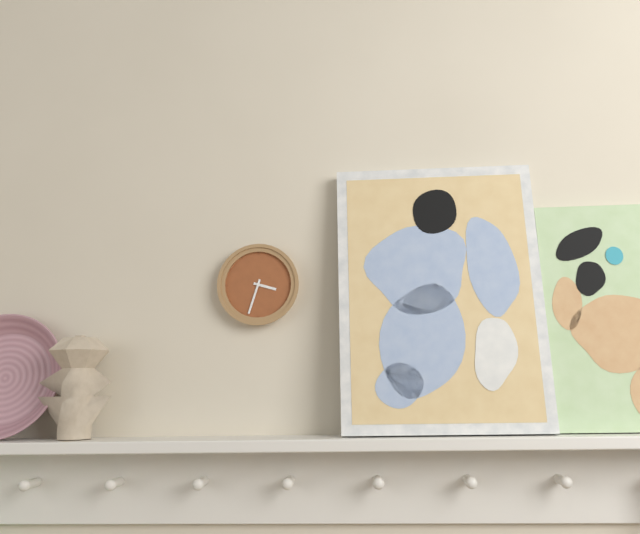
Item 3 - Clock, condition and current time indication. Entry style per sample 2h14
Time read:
3h33
